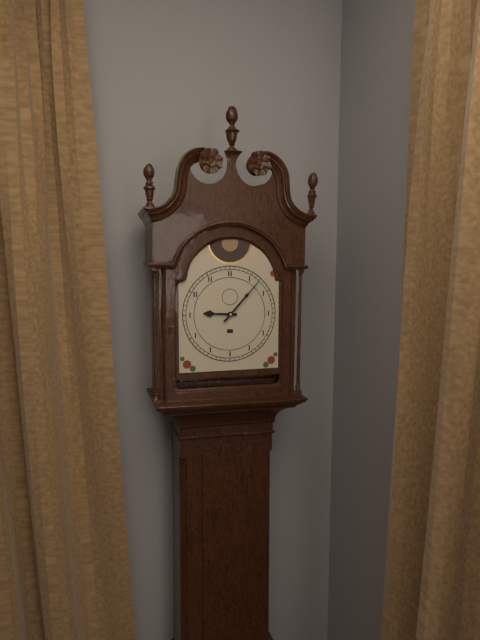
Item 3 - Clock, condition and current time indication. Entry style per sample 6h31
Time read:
9h07
